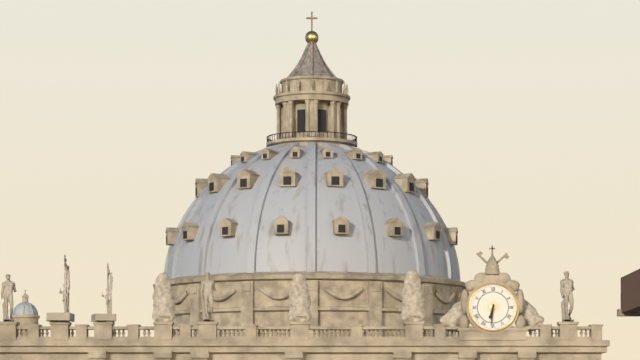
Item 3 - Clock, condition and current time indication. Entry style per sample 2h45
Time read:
6h31
